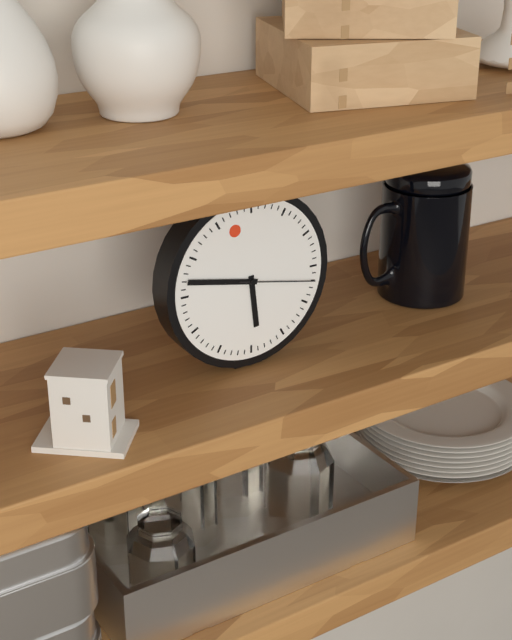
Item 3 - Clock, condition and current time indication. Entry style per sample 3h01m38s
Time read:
5h47m17s
